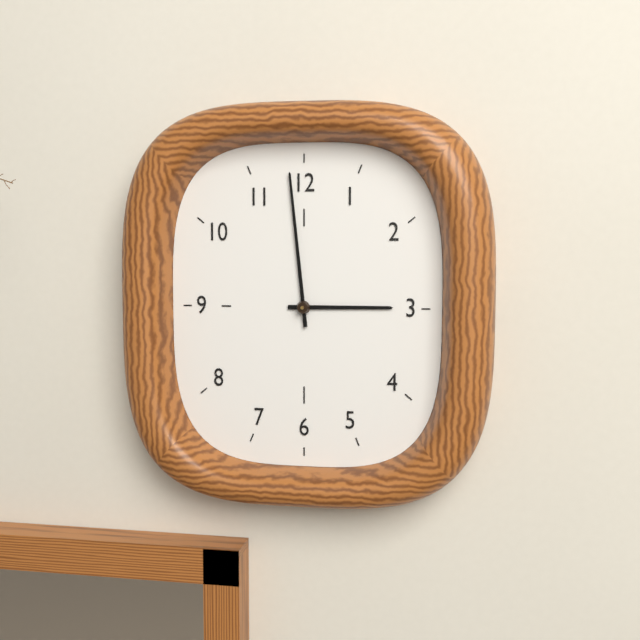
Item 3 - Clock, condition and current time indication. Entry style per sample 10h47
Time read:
2h59
